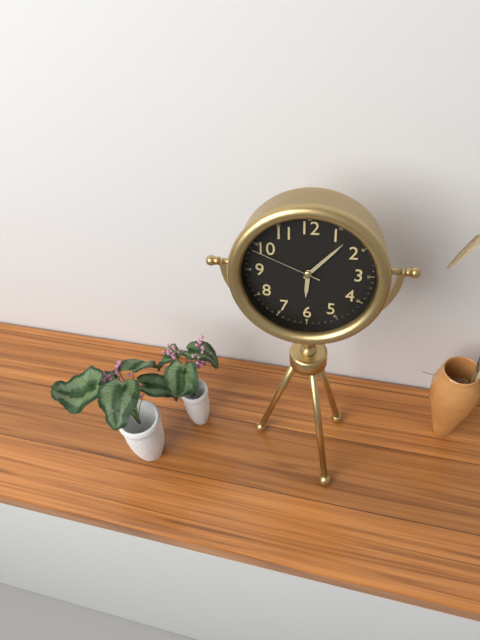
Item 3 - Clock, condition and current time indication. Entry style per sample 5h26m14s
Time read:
6h07m49s
